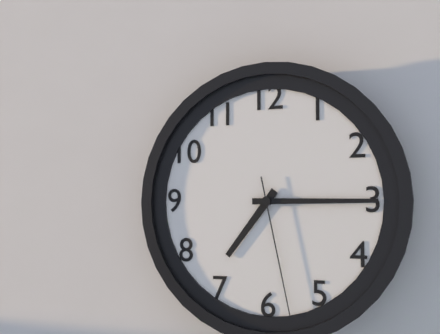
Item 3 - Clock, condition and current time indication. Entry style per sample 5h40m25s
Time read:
7h15m28s
